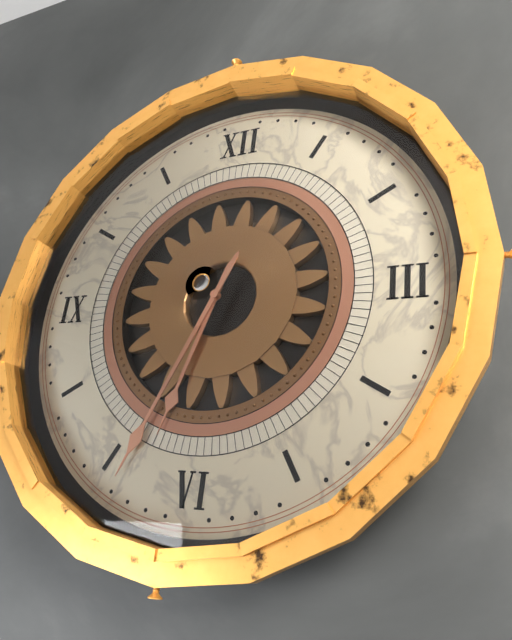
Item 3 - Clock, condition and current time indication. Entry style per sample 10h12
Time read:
6h34
